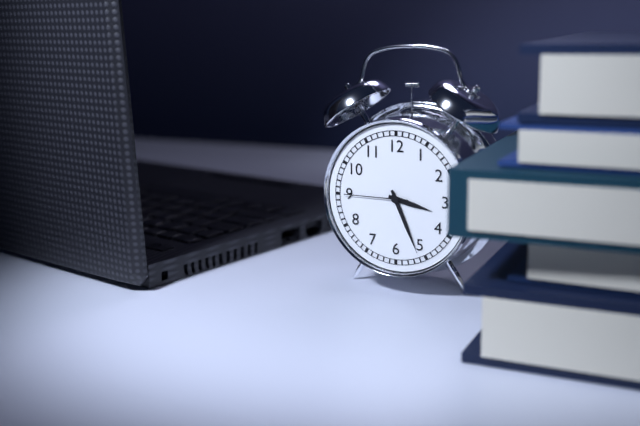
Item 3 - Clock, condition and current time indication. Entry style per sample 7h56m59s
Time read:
3h26m45s
